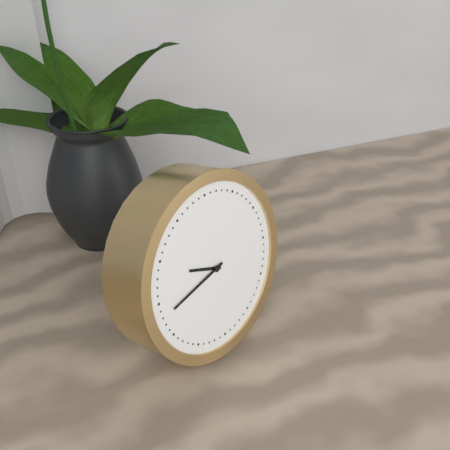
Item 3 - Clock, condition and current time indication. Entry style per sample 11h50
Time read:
9h43
